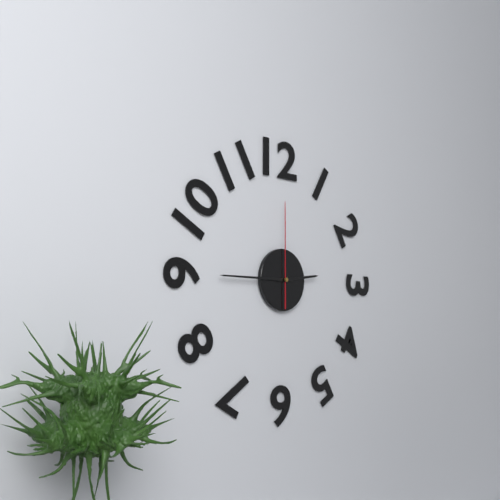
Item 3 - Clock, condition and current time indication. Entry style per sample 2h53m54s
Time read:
2h45m00s
